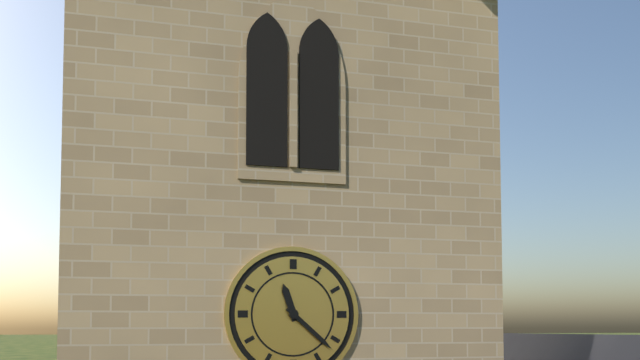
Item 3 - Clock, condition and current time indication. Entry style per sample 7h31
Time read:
11h22
